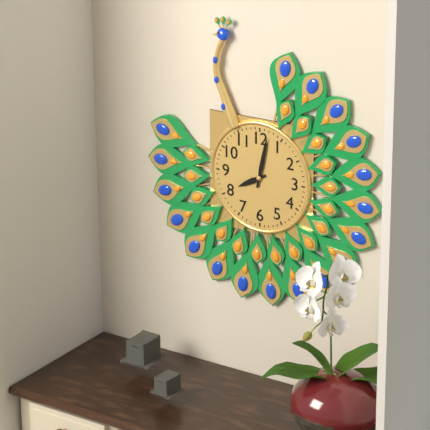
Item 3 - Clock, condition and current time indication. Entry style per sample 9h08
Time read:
8h02
